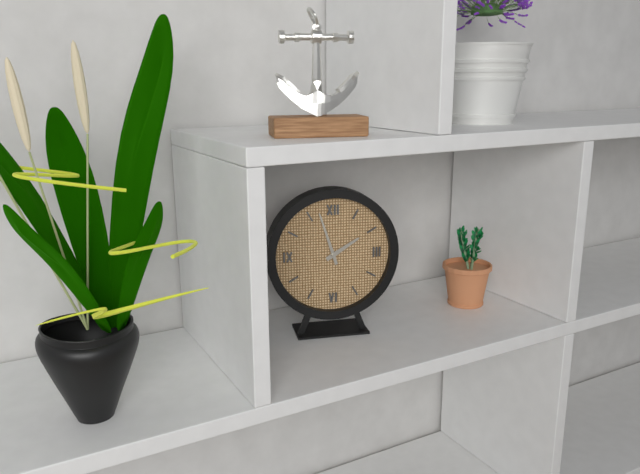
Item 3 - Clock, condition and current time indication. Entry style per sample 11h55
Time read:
1h57
